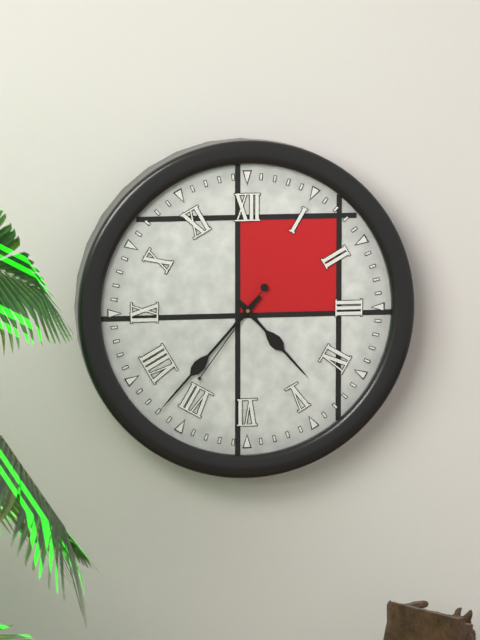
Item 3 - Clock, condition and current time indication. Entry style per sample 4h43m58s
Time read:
4h37m36s
